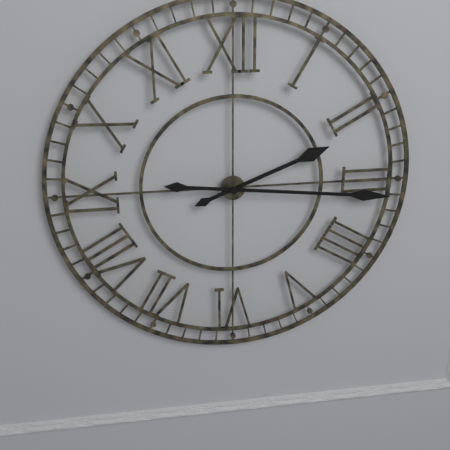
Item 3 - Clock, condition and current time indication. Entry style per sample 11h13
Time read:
2h16
